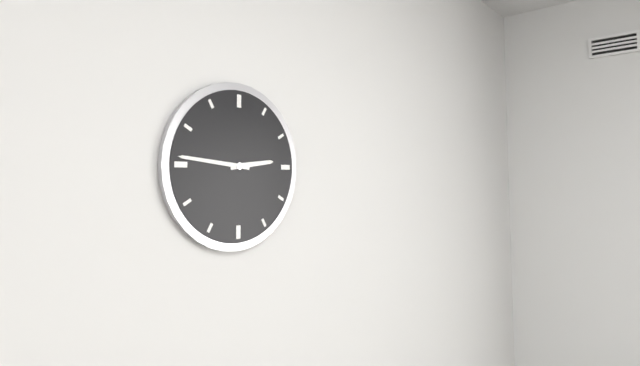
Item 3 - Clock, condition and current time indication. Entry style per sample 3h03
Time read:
2h46
